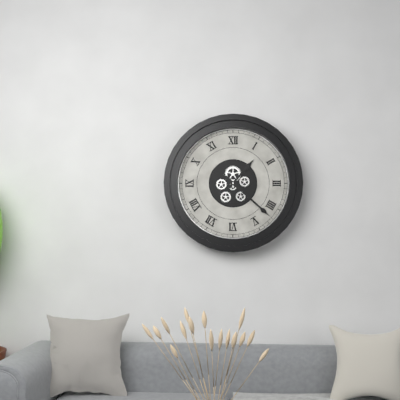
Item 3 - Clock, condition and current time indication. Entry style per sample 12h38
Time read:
1h22
